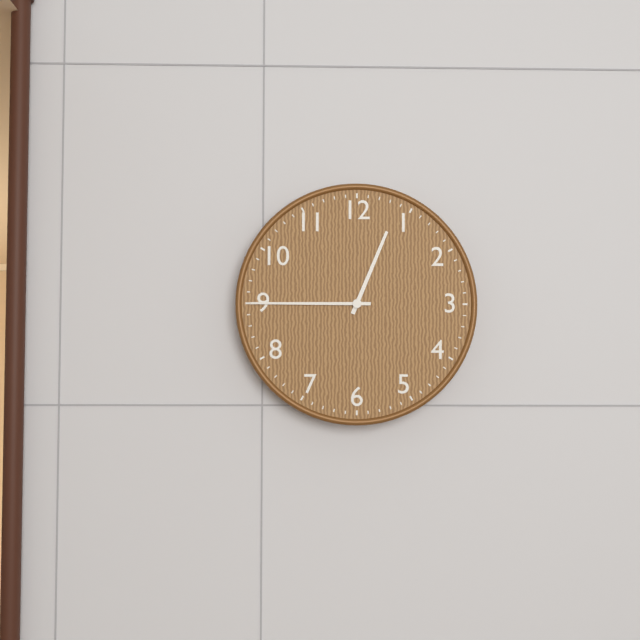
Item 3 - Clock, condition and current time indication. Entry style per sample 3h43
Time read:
12h45
